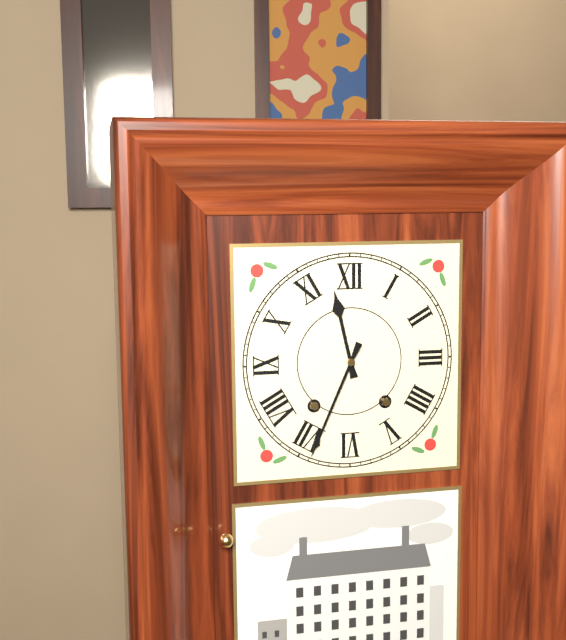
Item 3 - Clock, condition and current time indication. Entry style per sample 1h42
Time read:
11h34
